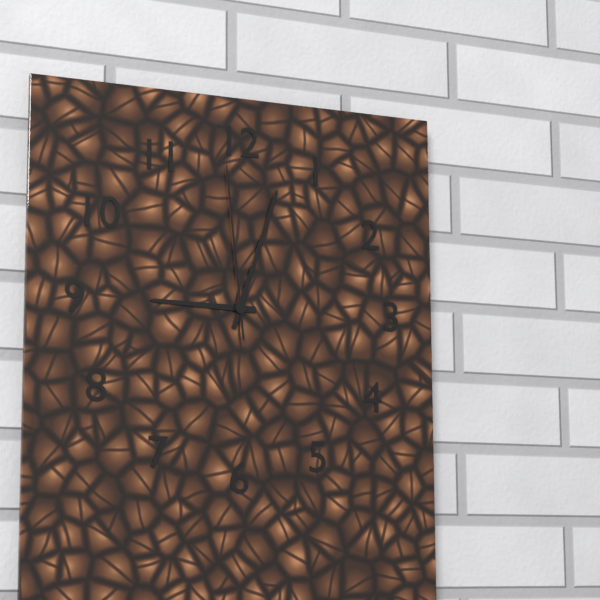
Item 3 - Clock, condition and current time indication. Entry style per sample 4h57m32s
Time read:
9h03m59s
